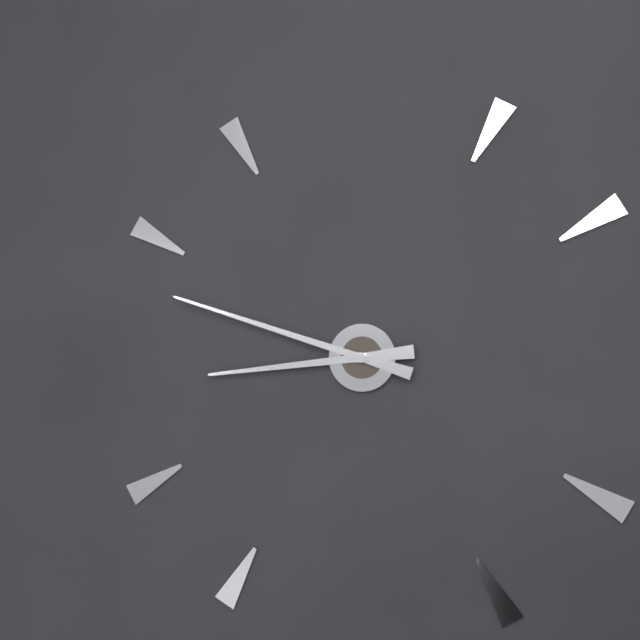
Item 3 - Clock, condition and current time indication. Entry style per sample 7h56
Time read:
8h48
